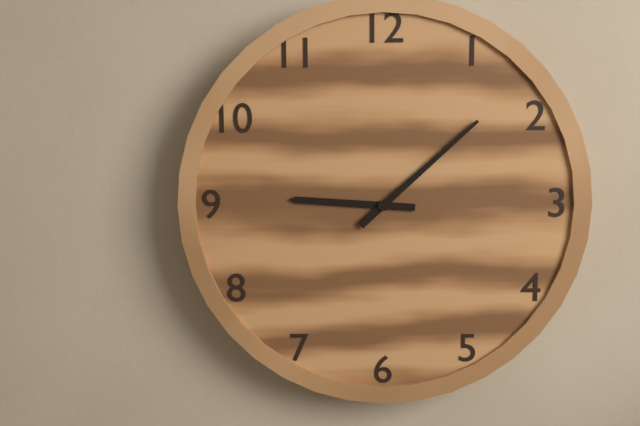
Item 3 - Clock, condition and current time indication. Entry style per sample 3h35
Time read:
9h08
